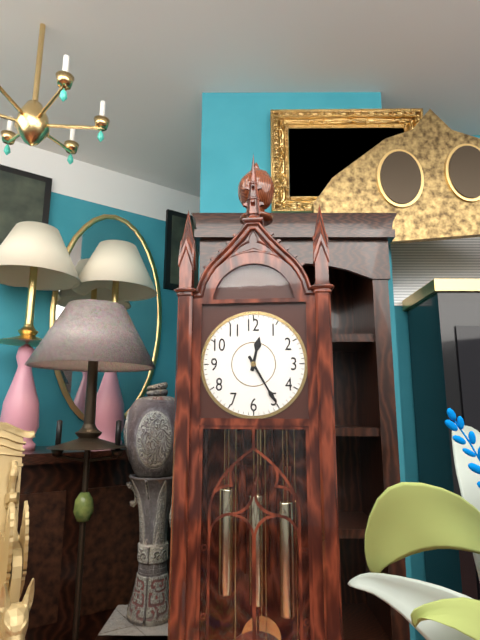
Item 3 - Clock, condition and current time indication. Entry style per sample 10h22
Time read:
12h25
